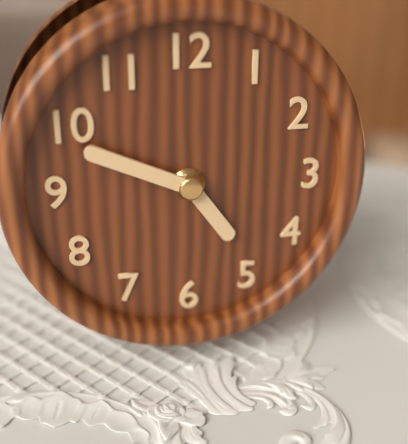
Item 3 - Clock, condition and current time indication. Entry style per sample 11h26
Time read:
4h49
